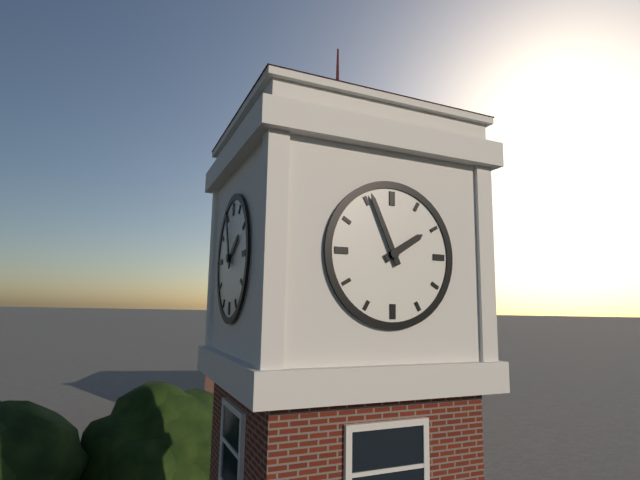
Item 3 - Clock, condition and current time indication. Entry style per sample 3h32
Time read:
1h56
